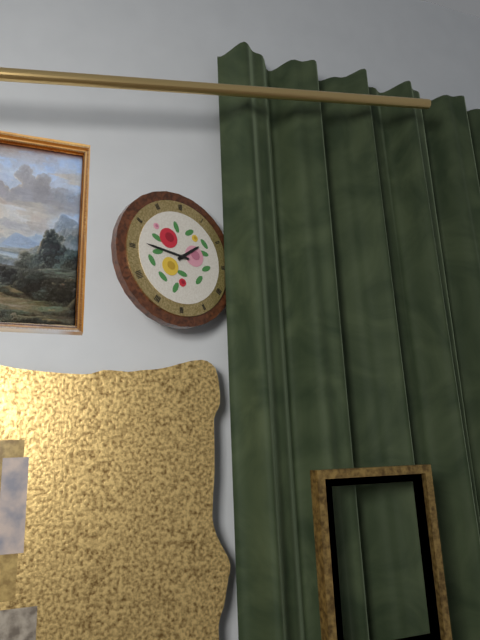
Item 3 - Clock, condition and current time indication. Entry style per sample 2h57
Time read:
1h46
